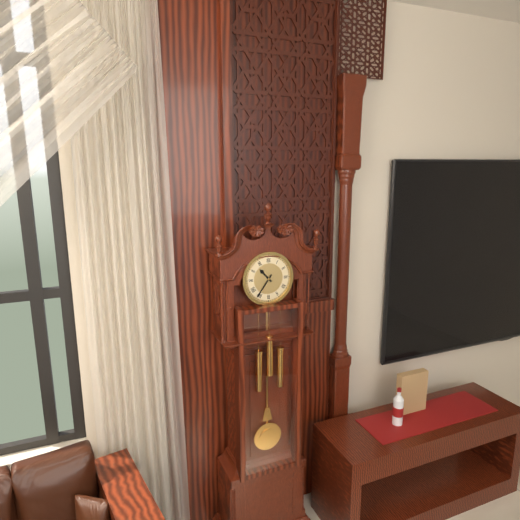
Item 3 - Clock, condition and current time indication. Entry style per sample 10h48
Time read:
10h36
